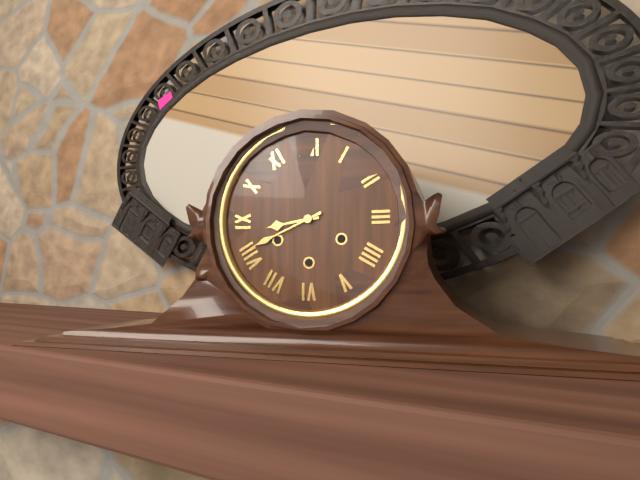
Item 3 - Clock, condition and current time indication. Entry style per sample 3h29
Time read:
8h41
